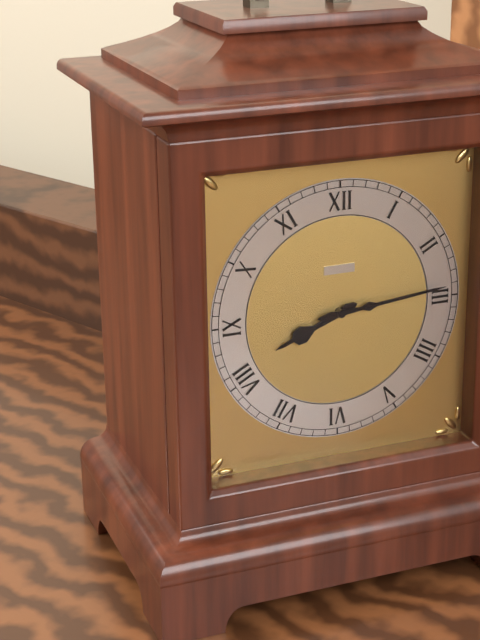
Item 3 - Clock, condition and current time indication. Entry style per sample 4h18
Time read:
8h14
